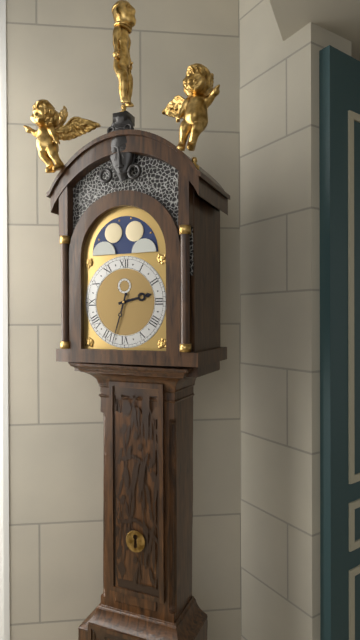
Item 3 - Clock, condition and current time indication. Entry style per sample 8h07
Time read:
2h33
